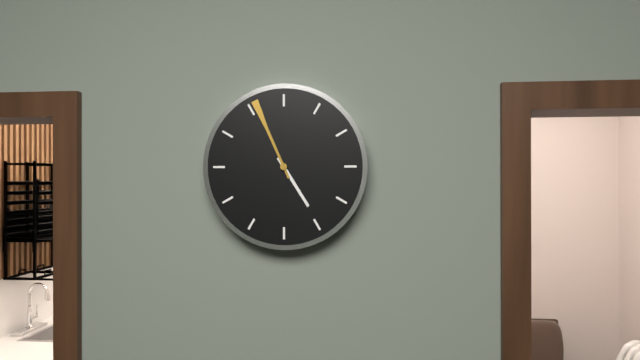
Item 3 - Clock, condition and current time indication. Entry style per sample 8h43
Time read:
4h56
